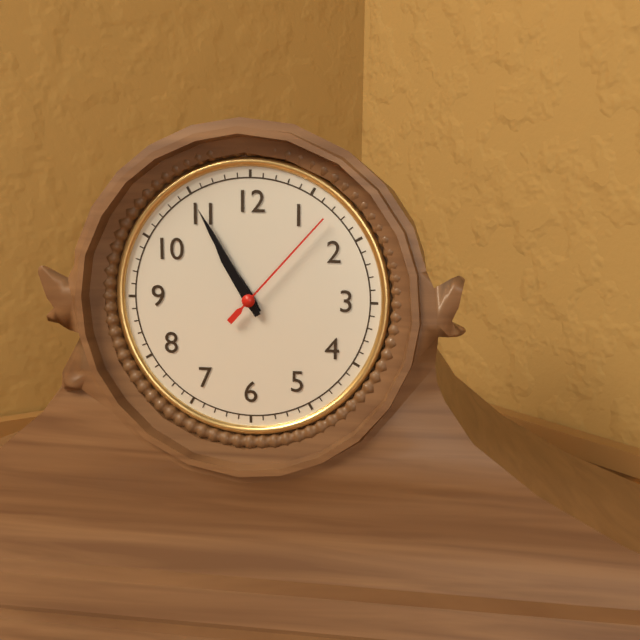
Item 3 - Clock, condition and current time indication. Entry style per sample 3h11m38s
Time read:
10h55m07s
